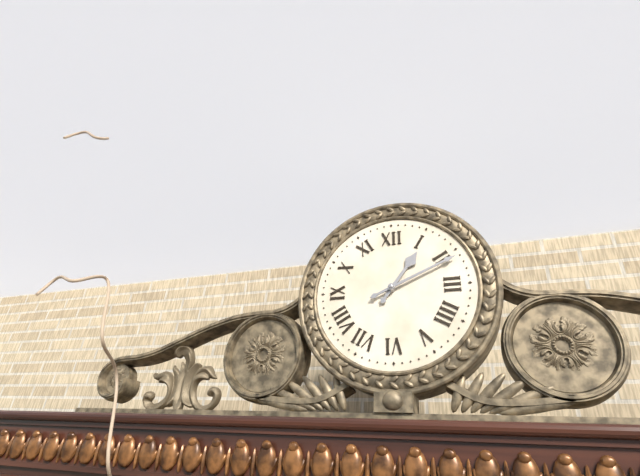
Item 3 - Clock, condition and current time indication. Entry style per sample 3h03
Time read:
1h11
